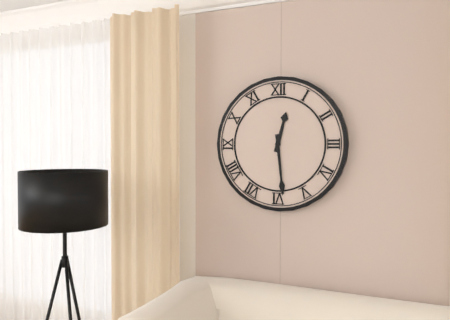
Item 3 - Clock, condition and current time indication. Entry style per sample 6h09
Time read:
12h29
